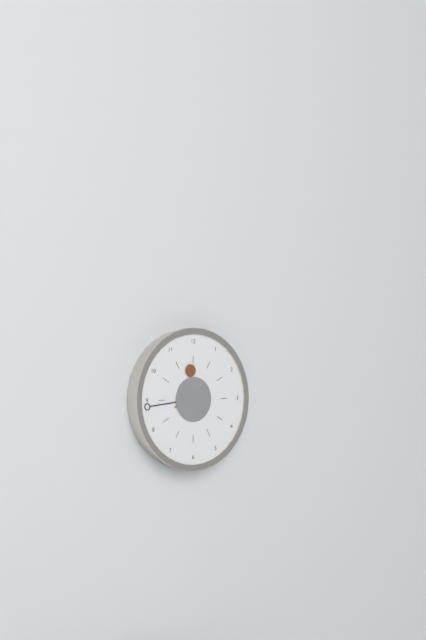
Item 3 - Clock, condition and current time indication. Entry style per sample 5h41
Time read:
11h44
